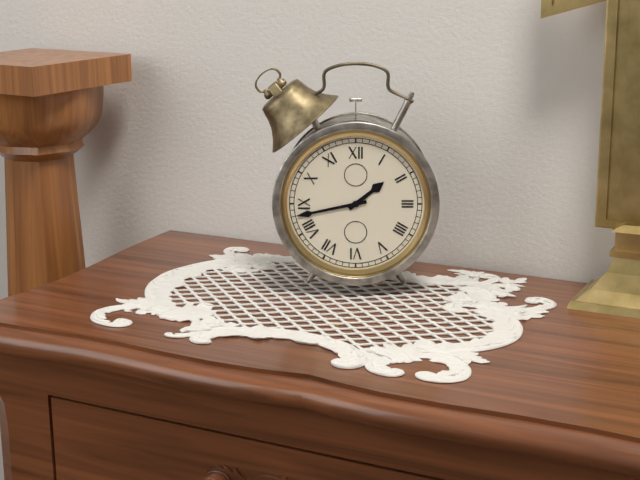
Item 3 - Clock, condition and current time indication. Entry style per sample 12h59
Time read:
1h43
